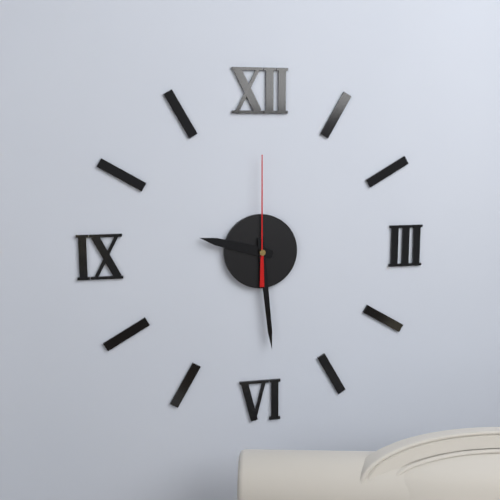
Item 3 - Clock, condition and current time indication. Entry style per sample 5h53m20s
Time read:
9h29m00s
